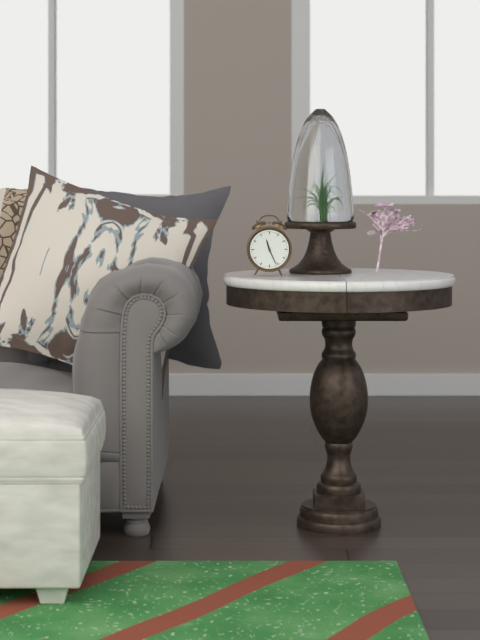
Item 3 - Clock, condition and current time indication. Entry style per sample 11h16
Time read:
11h26
